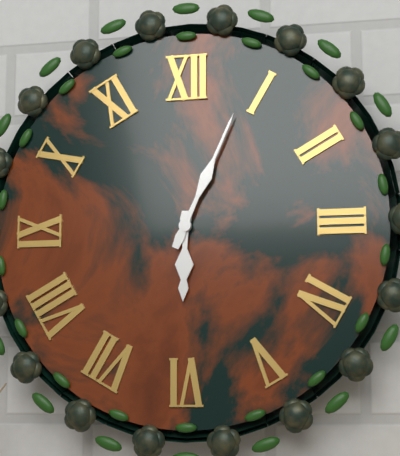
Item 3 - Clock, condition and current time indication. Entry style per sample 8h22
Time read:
6h04
